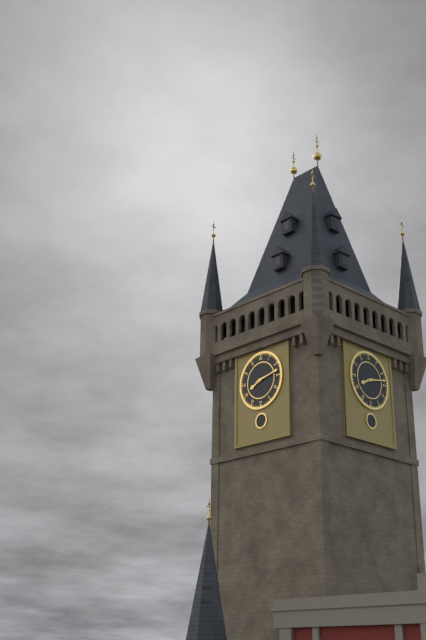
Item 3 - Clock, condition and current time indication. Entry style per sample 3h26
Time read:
8h13
